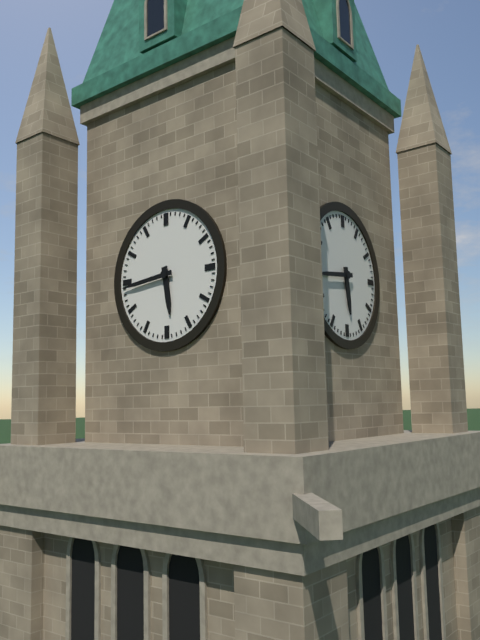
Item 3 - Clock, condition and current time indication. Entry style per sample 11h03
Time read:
5h44
